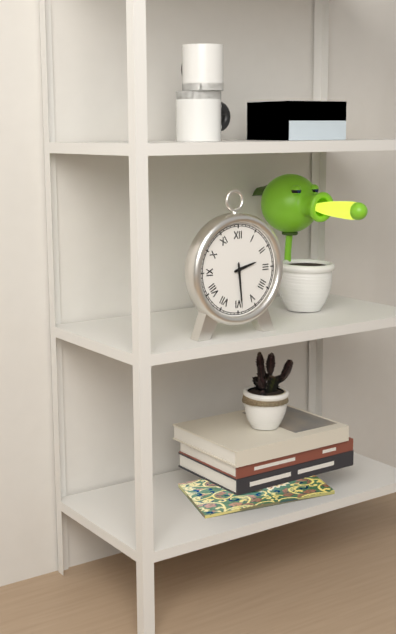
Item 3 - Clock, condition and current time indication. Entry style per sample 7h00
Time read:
2h29
